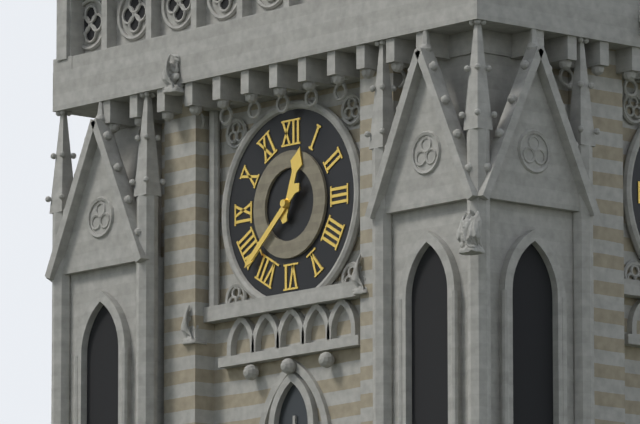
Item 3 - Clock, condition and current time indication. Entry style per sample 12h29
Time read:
12h38
